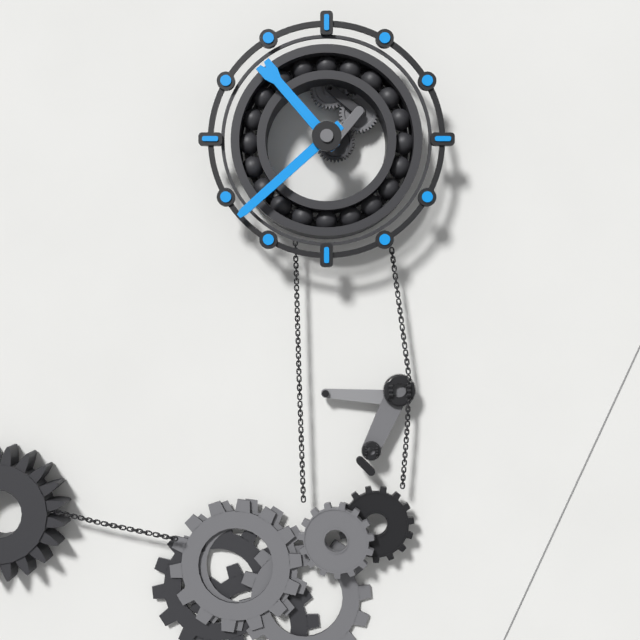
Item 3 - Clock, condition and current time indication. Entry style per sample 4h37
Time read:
10h38
